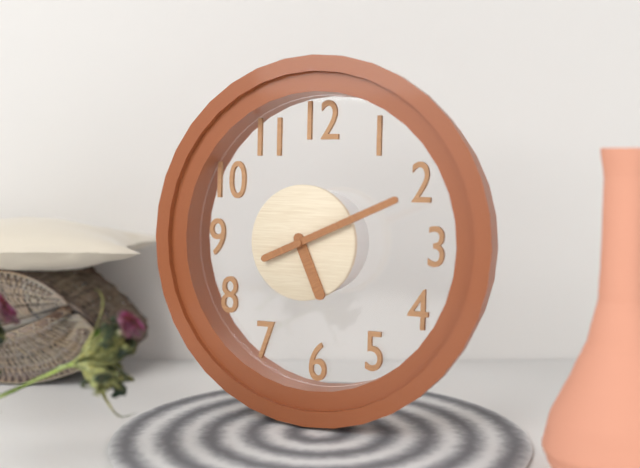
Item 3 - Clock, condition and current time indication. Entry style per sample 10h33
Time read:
5h11
